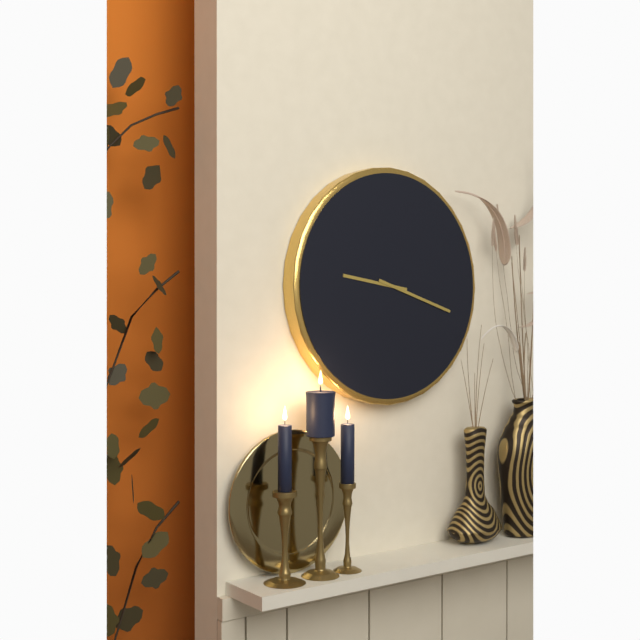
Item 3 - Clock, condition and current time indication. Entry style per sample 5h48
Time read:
9h18
